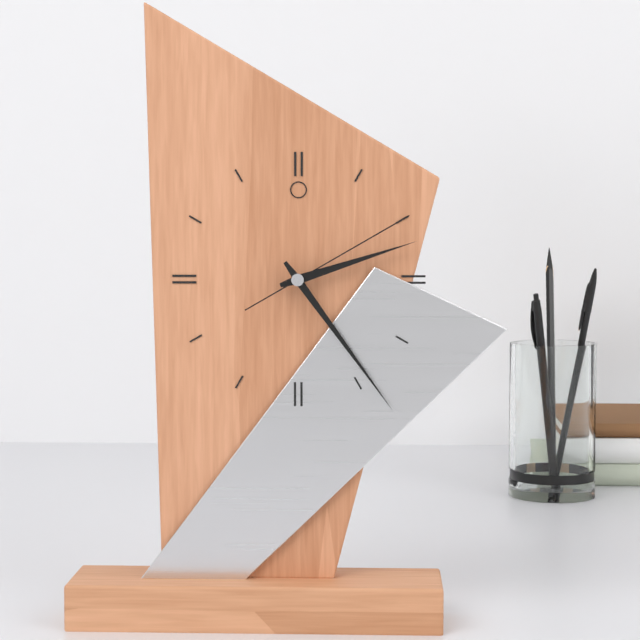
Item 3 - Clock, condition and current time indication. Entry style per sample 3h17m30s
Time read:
2h24m10s
